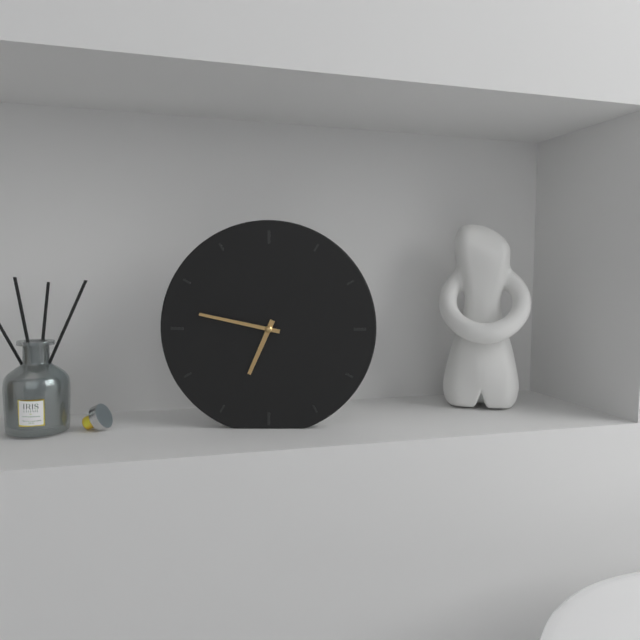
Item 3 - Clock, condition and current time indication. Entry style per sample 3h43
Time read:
6h47
